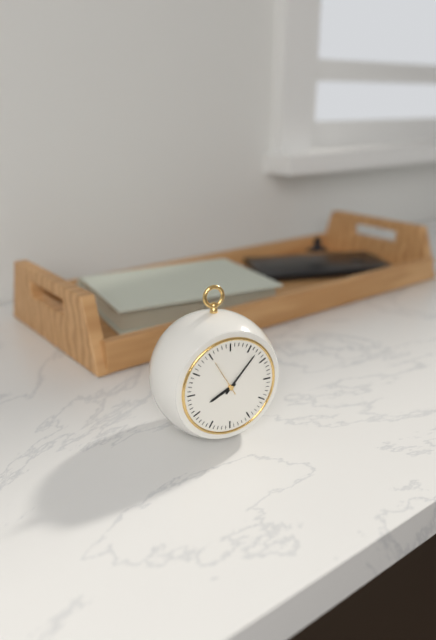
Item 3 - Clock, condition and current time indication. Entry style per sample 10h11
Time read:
8h07
